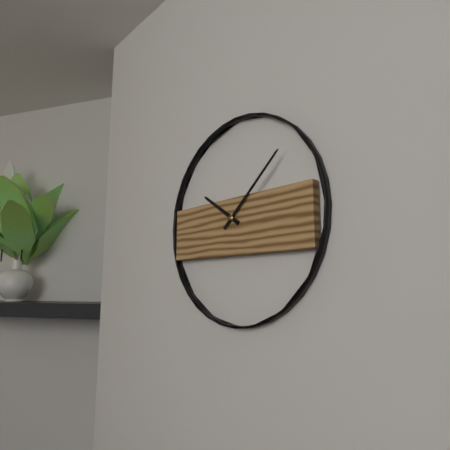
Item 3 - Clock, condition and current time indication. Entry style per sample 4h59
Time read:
10h08
